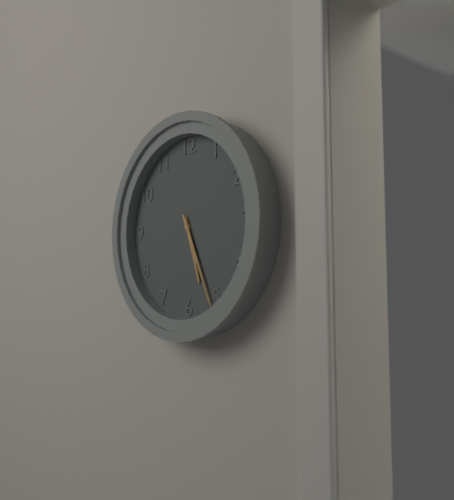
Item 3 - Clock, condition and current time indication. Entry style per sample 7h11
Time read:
5h26
